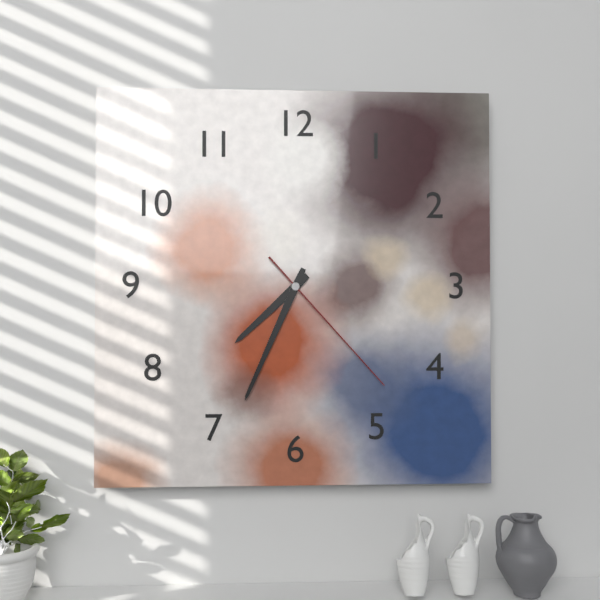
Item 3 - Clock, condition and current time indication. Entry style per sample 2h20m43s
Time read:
7h34m23s
